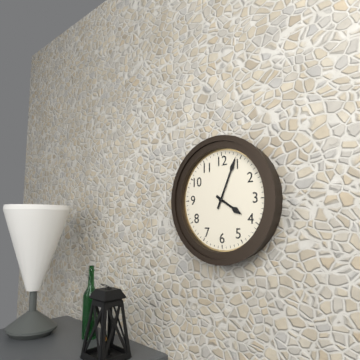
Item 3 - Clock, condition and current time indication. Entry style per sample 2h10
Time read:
4h04
